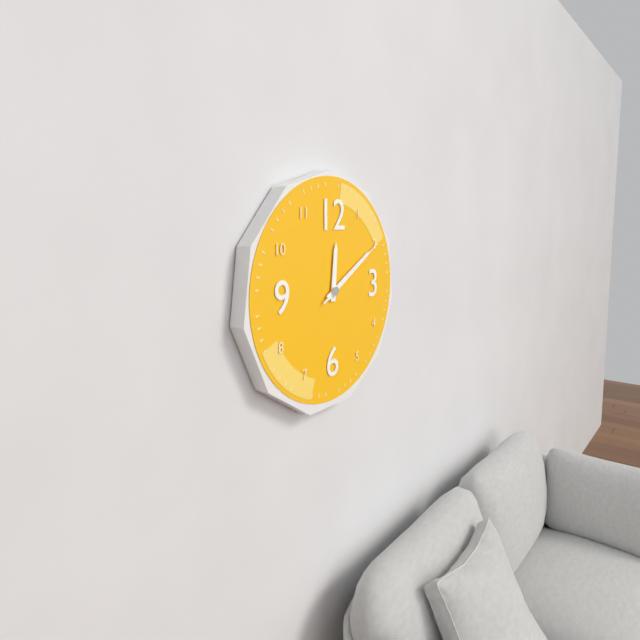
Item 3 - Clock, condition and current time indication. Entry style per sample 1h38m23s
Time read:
12h10m10s
